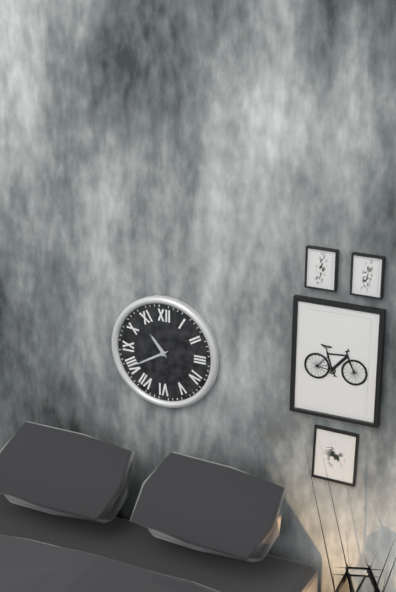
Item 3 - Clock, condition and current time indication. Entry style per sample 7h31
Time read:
10h40
